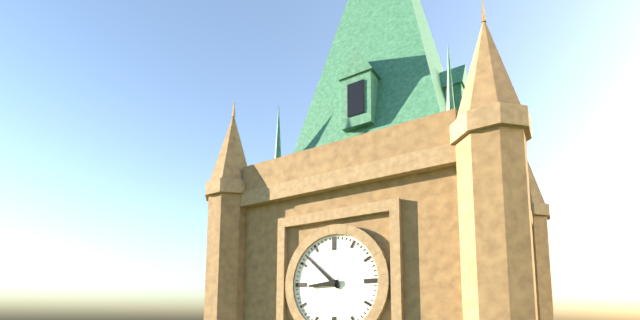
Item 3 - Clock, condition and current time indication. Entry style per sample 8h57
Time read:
8h52
